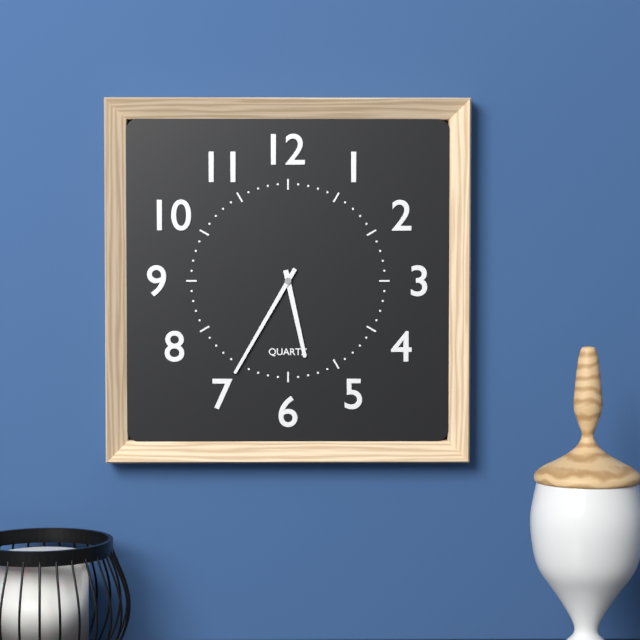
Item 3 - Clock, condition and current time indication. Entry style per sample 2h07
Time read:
5h35
